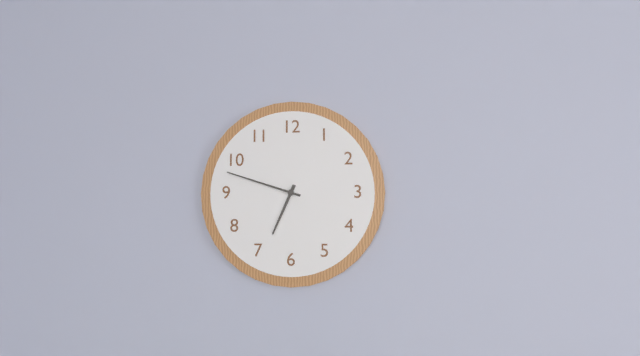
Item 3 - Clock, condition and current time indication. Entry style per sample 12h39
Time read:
6h48
